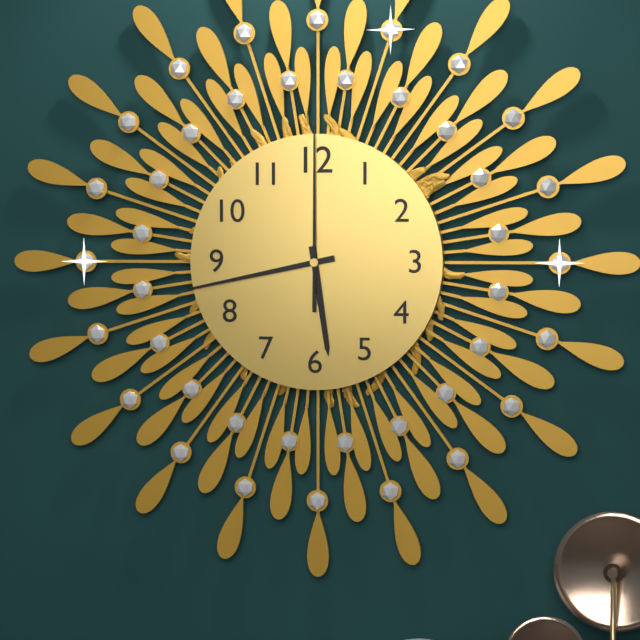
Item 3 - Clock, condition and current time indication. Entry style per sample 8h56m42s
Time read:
5h43m00s
